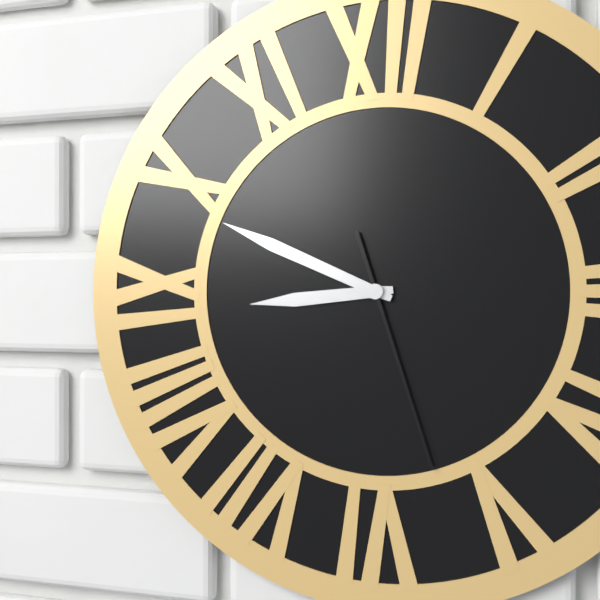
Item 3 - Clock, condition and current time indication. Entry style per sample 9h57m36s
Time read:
8h49m27s
